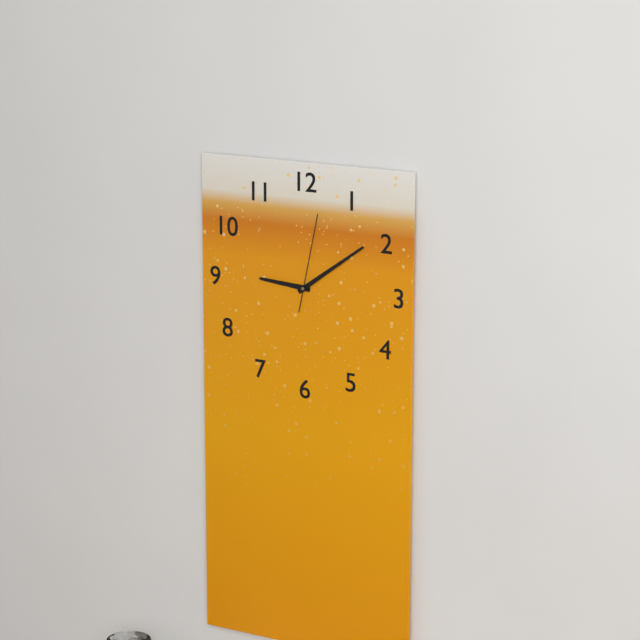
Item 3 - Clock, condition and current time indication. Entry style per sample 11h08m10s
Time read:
9h09m02s
